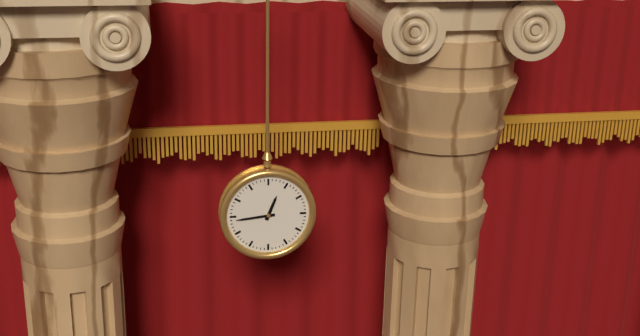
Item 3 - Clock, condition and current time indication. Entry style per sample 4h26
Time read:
12h44
